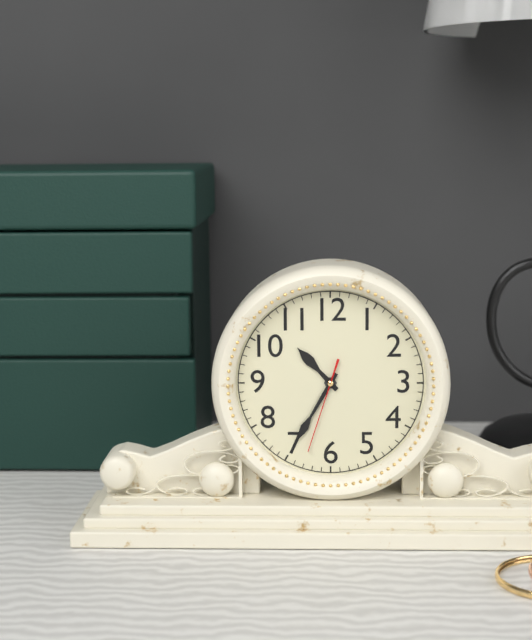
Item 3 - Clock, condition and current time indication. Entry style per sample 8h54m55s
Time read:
10h35m33s
